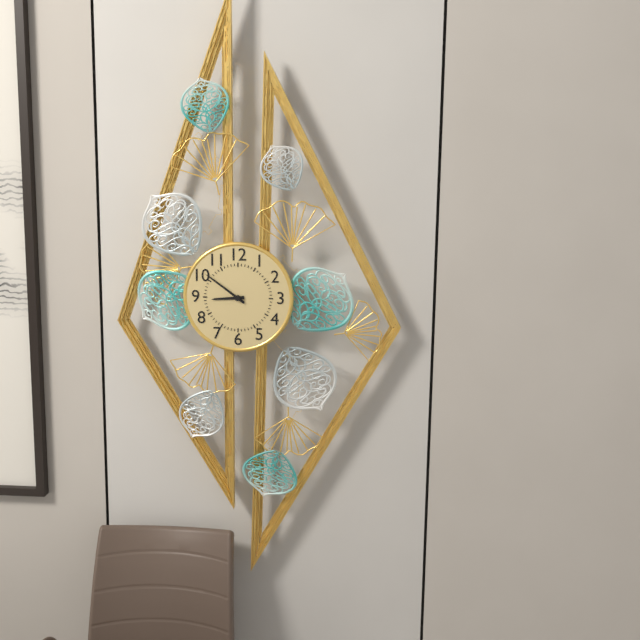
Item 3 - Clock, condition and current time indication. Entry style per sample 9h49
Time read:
8h51
